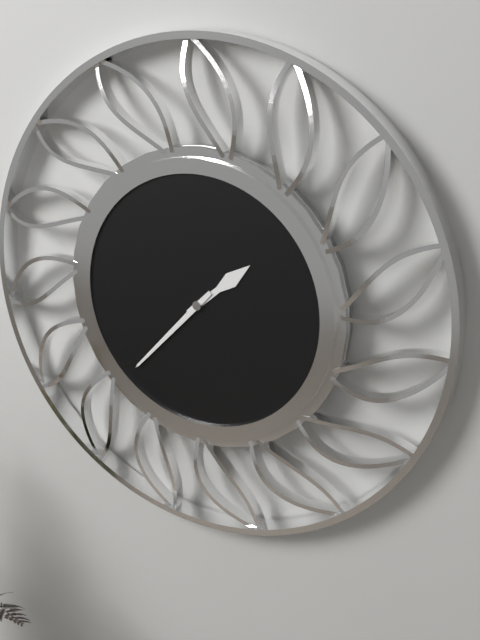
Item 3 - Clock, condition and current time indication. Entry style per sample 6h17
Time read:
1h37
